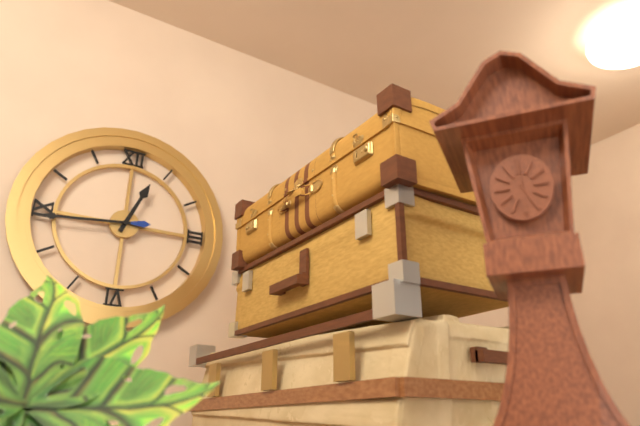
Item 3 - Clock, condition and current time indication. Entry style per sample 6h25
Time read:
12h44
